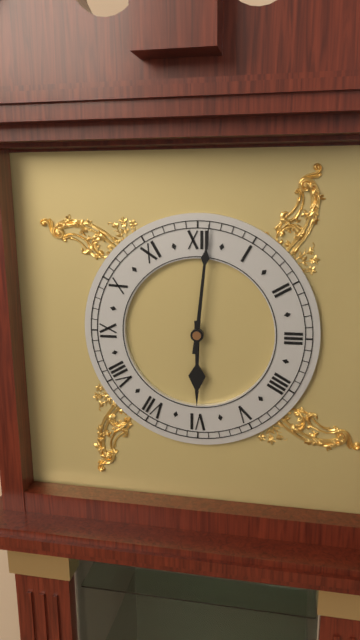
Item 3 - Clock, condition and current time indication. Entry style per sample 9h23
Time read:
6h01
